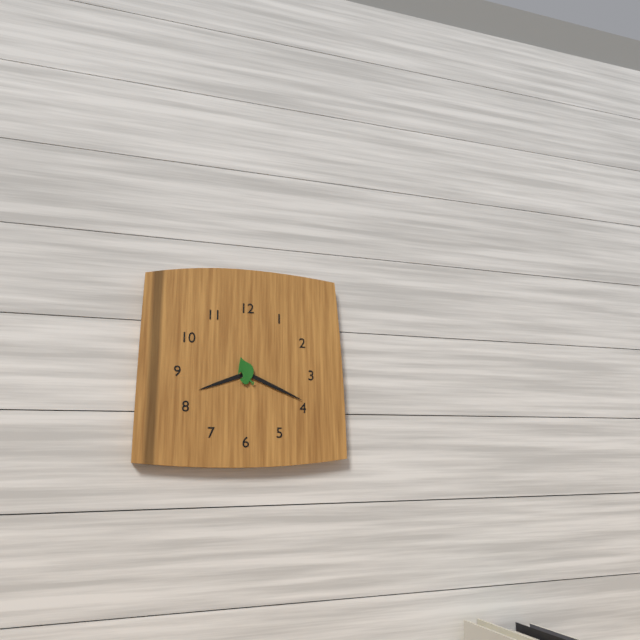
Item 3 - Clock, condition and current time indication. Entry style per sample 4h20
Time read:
8h19
